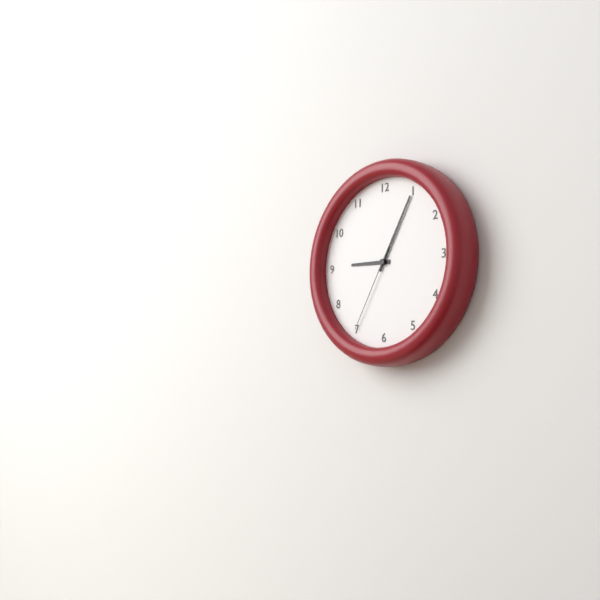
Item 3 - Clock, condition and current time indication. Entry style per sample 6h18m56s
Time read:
9h05m35s
